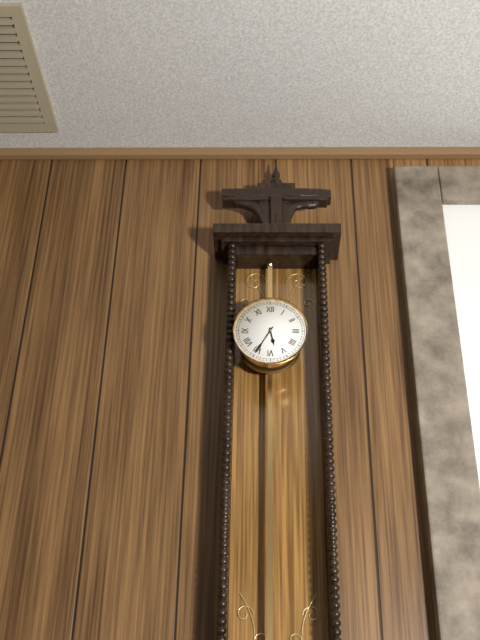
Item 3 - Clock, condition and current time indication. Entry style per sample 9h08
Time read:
5h35
